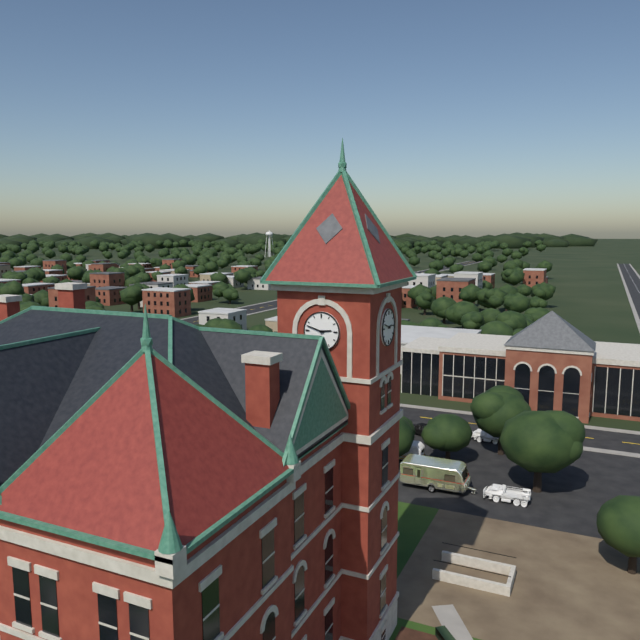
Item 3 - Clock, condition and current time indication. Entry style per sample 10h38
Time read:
2h48
